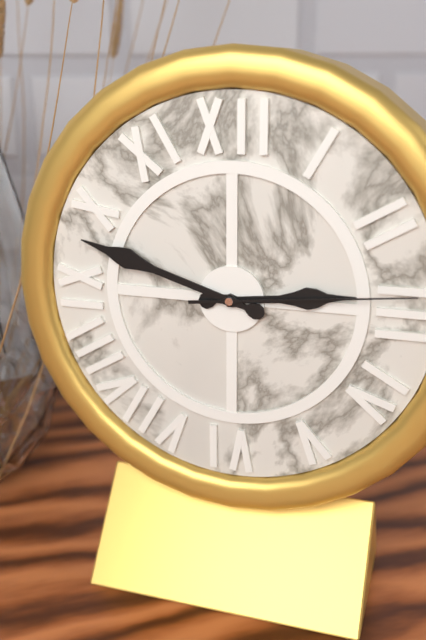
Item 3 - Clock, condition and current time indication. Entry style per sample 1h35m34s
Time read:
2h48m14s
